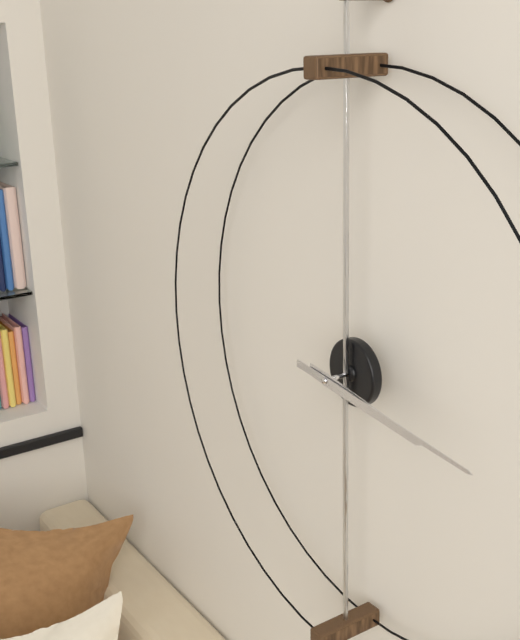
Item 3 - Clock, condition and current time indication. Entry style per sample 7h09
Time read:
3h16
